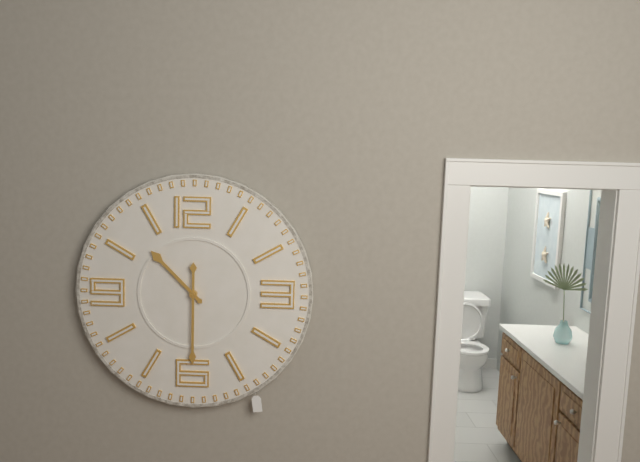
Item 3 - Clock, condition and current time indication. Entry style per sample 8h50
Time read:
10h30
